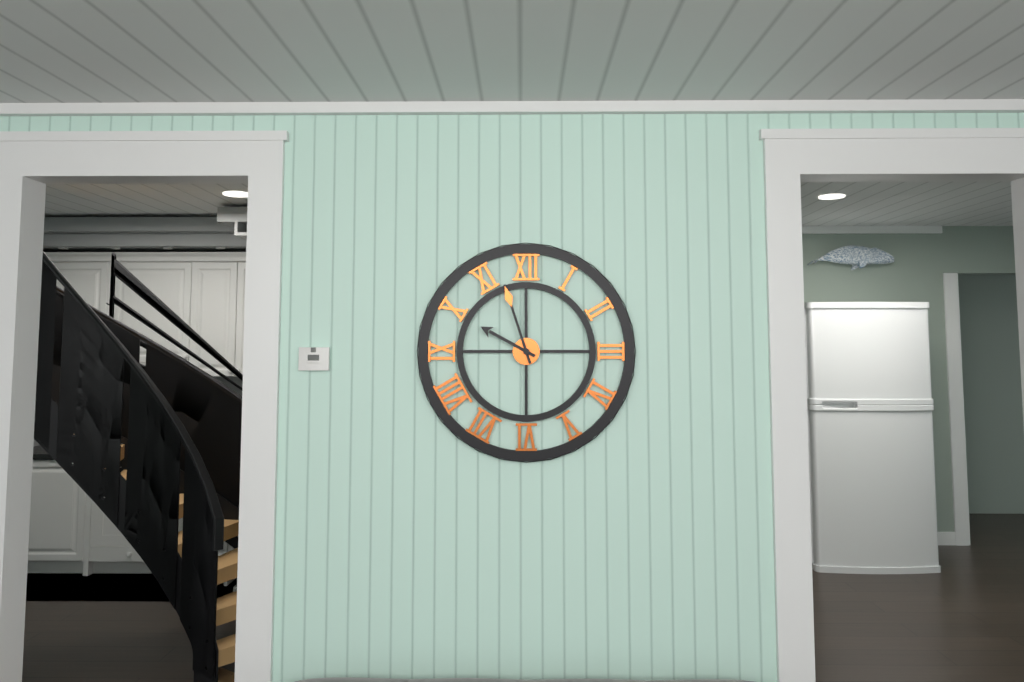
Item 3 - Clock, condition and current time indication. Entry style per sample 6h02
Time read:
9h57
